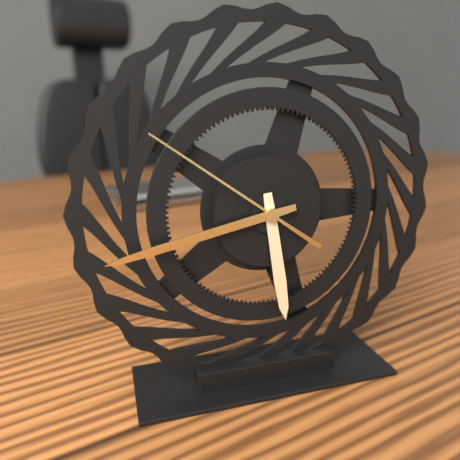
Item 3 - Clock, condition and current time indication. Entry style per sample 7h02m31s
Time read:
5h43m51s
